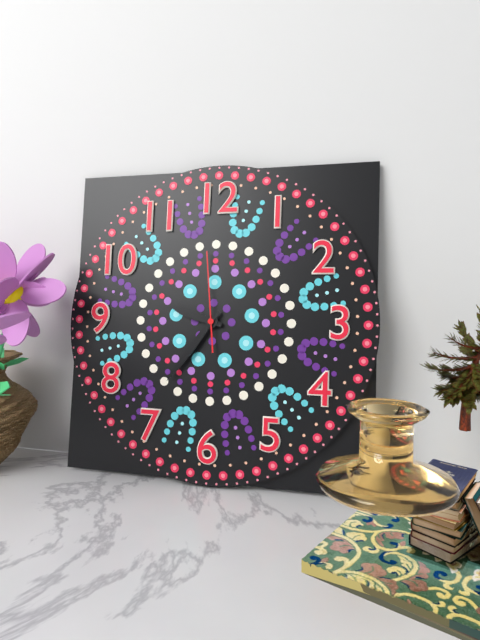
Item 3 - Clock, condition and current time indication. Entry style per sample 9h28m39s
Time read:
9h36m59s
